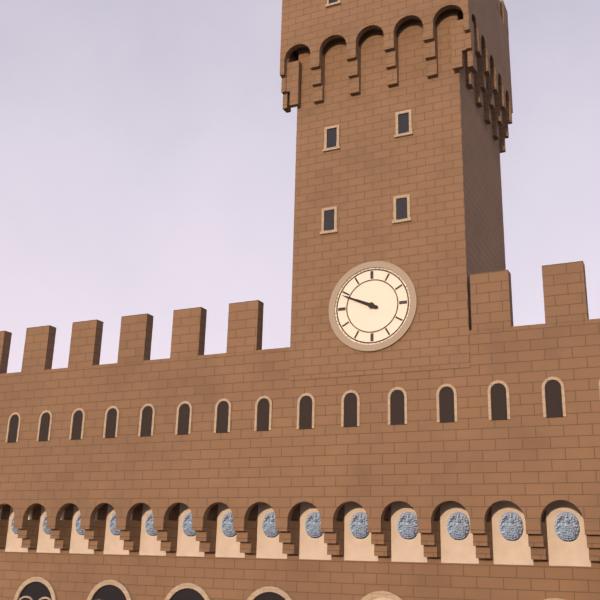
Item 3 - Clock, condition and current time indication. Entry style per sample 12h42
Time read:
9h49
